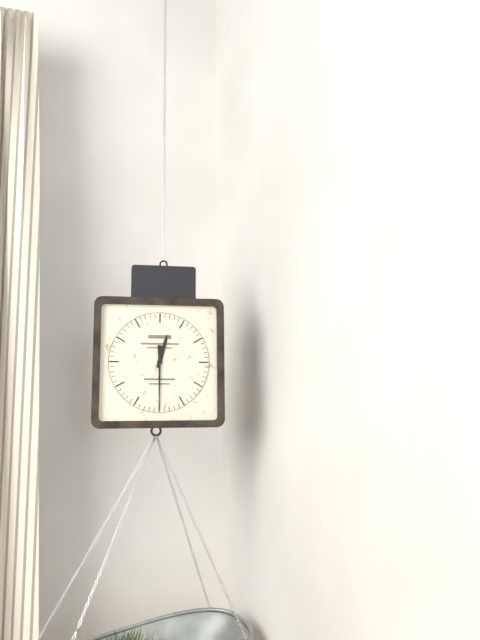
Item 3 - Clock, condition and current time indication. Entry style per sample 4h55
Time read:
12h30
